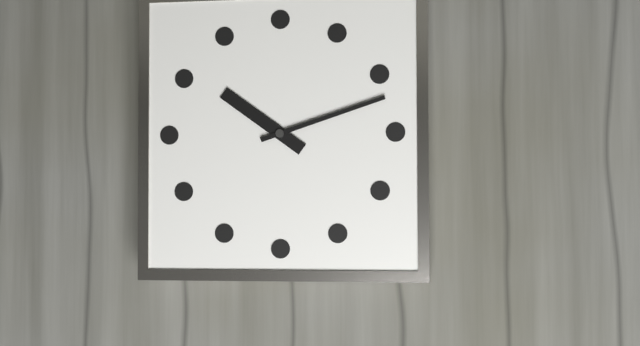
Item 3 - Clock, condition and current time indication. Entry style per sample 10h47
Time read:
10h12
